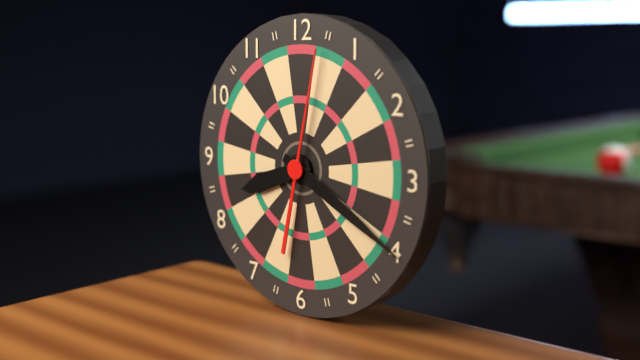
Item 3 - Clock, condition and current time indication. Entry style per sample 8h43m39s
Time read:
8h20m02s
